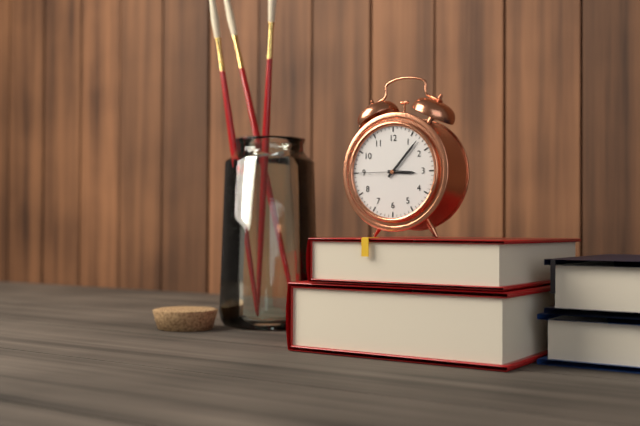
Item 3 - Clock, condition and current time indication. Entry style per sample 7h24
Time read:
3h07
